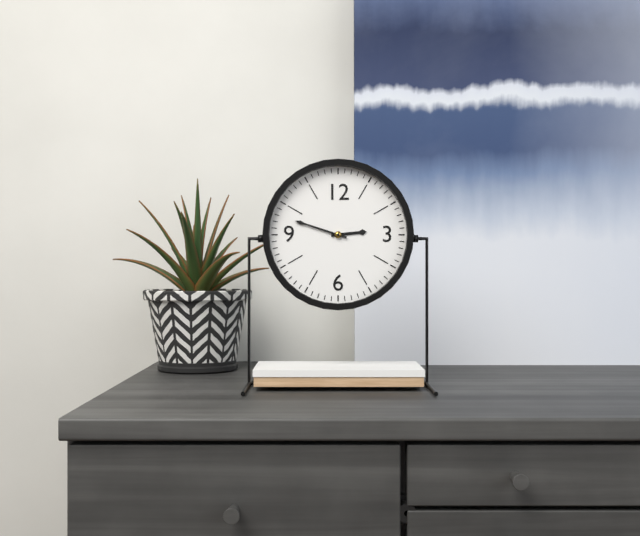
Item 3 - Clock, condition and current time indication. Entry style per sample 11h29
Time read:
2h48
